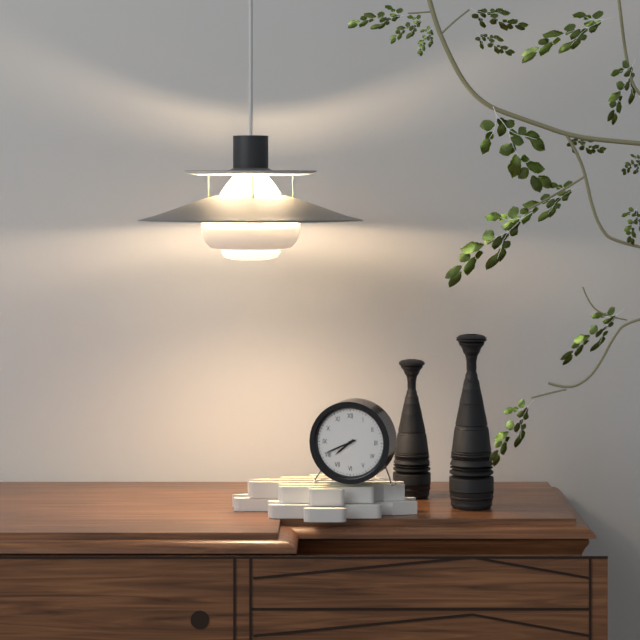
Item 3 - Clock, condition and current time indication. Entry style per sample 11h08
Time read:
7h41
